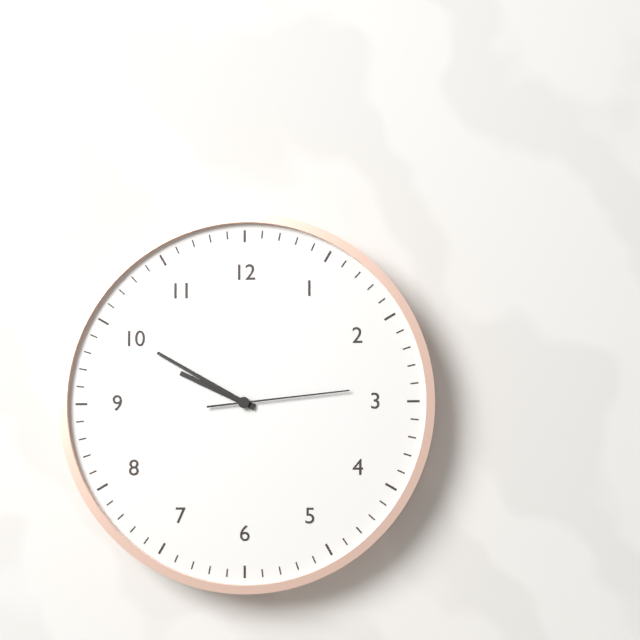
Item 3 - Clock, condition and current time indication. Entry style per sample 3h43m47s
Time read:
9h50m14s
